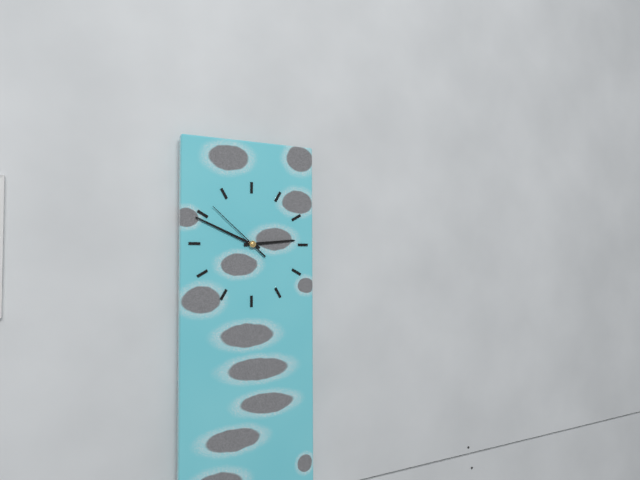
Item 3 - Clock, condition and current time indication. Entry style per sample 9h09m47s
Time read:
2h49m52s
